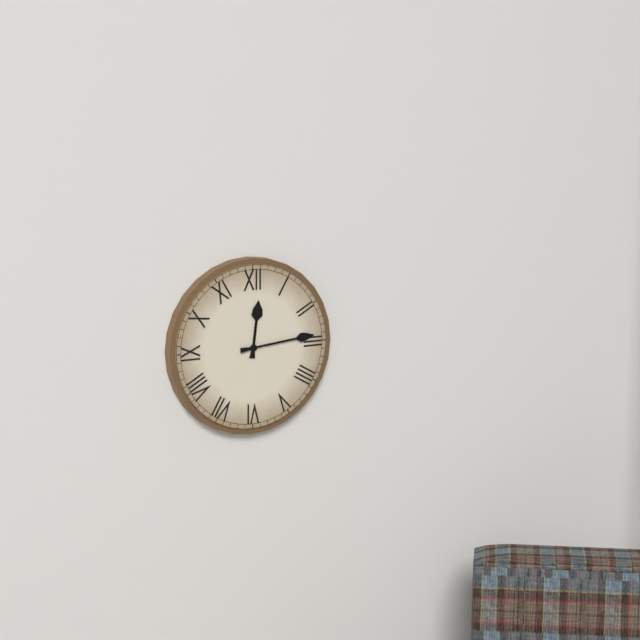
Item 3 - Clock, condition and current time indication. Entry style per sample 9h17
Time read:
12h14
